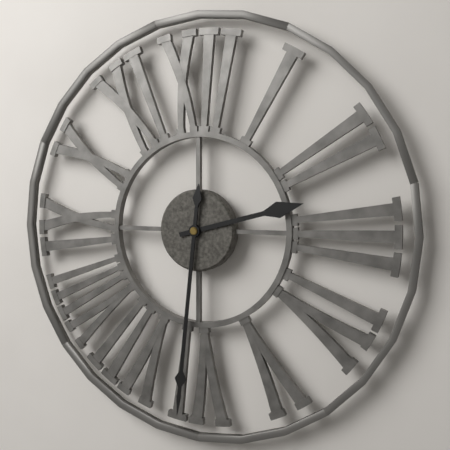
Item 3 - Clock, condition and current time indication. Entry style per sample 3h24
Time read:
2h31
